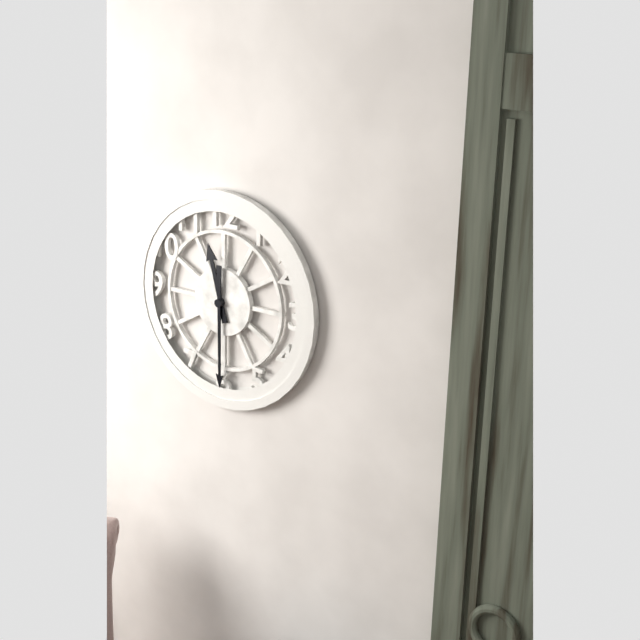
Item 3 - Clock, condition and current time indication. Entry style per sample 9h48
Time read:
11h30
